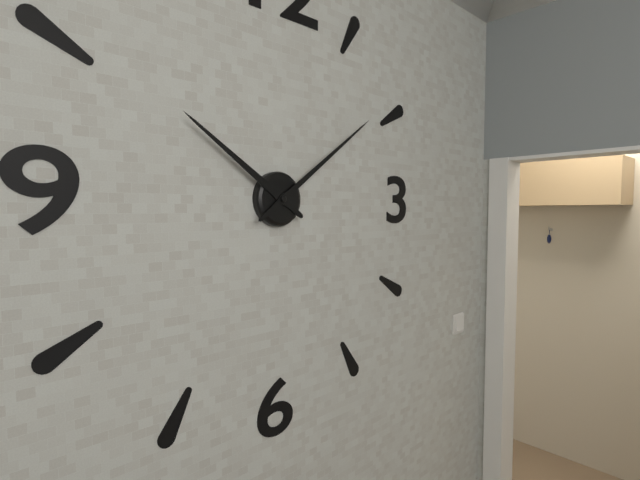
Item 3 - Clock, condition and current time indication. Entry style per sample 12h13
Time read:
10h09
